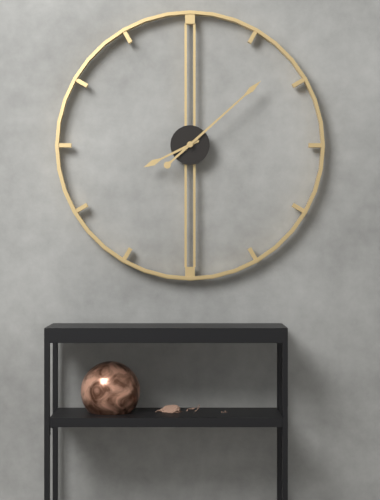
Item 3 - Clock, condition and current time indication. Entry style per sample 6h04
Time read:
8h08
